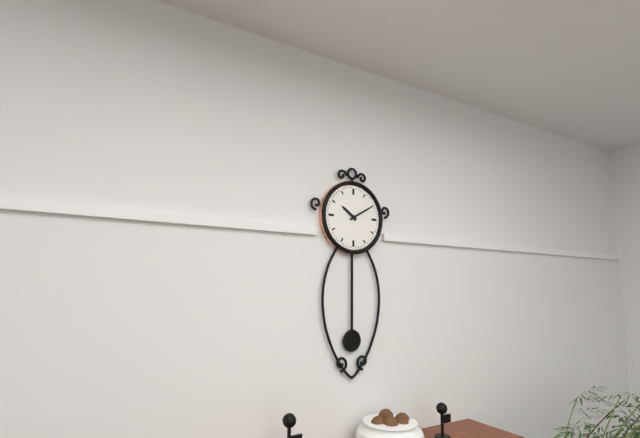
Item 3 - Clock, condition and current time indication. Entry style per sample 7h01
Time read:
10h10
